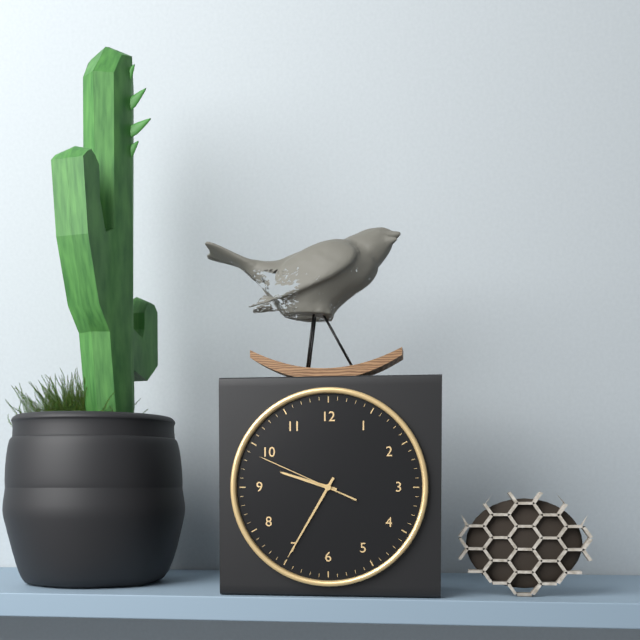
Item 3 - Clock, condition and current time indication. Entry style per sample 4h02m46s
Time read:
9h35m49s
